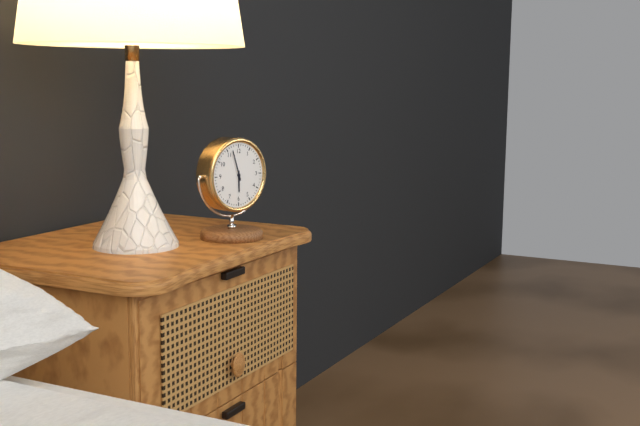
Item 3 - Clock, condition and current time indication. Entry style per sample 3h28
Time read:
5h57
